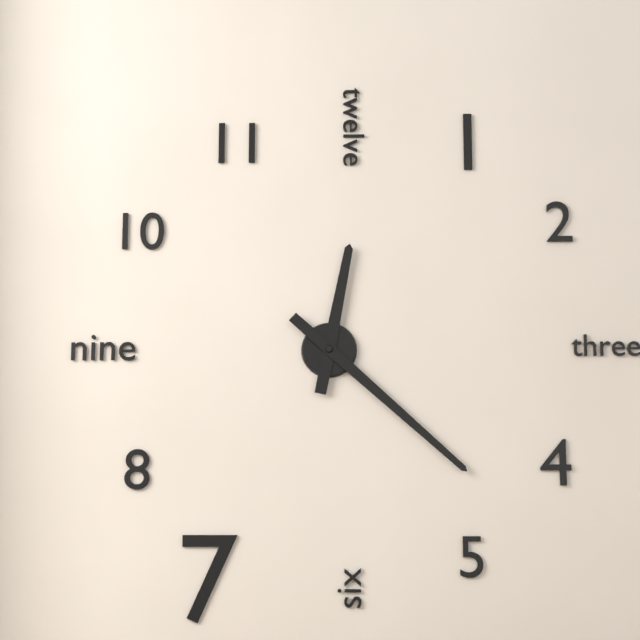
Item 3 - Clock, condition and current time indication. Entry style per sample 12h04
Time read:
12h22
